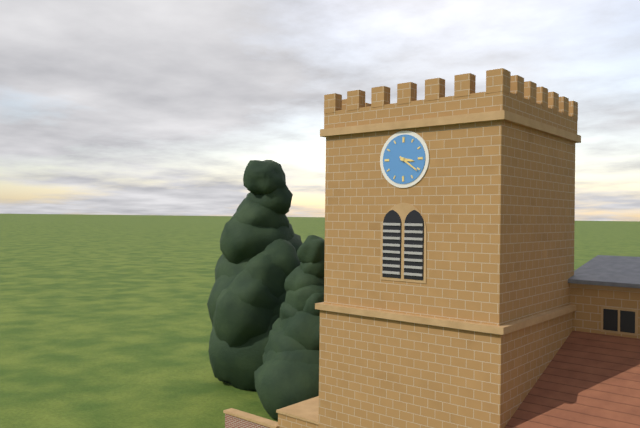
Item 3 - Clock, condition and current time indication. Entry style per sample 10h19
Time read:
3h21
